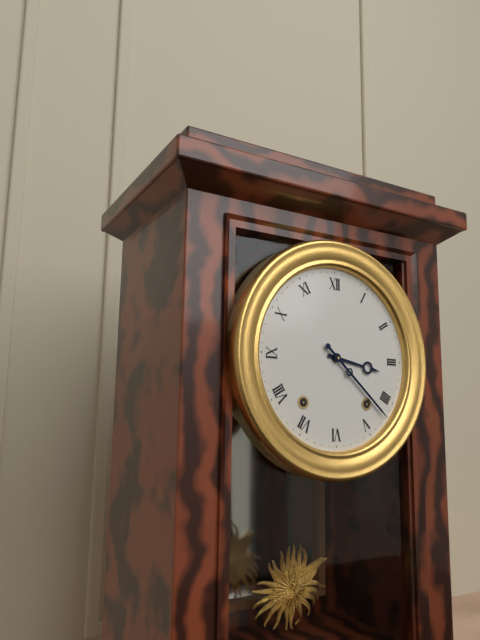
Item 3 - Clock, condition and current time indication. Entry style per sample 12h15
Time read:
3h22
